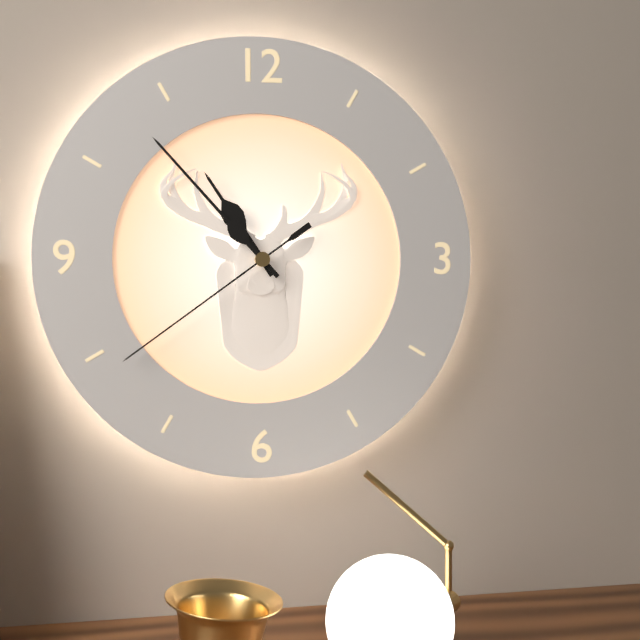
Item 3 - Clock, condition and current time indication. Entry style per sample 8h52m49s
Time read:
10h53m39s
